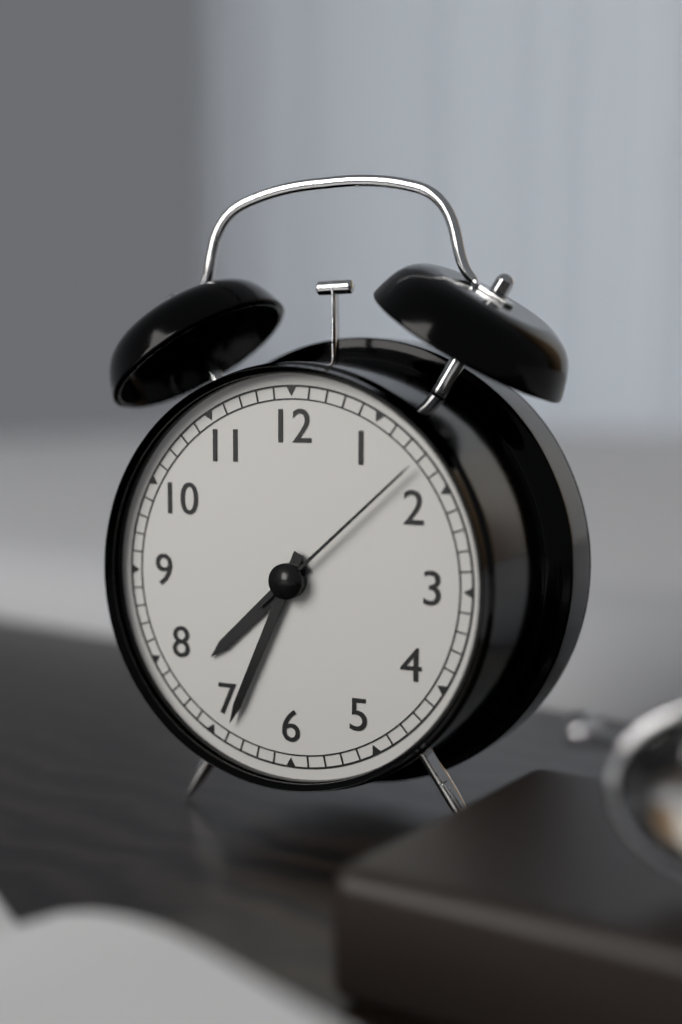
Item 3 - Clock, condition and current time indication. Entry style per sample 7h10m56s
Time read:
7h34m08s
